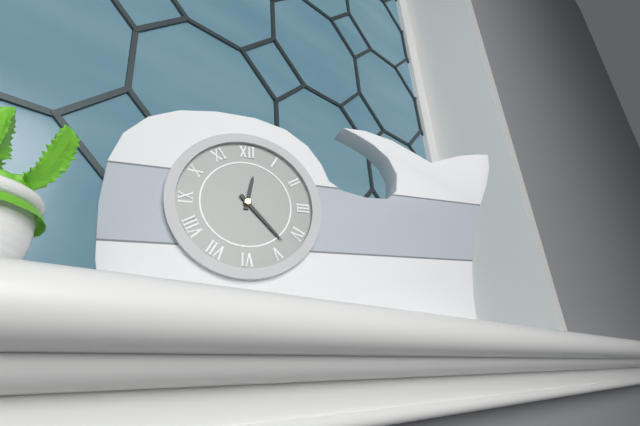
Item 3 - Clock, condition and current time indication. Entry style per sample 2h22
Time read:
12h23
